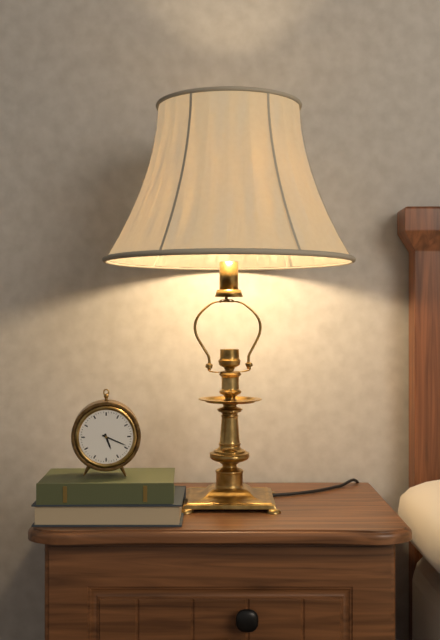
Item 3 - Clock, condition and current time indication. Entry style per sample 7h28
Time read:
5h19
